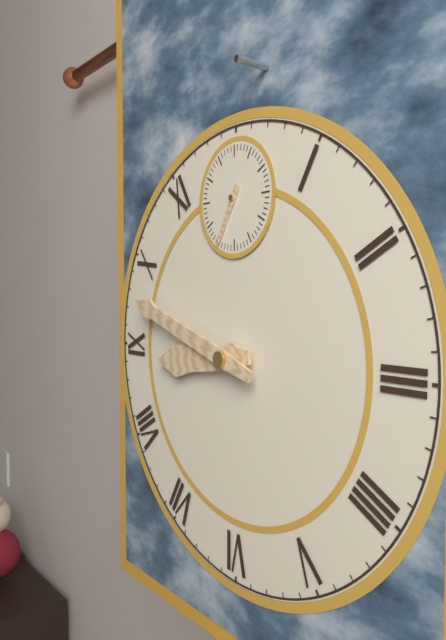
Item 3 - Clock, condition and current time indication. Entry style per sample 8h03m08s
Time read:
8h48m35s
